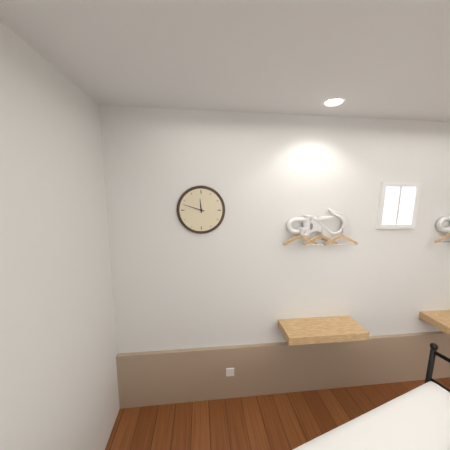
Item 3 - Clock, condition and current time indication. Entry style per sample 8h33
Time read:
11h48
